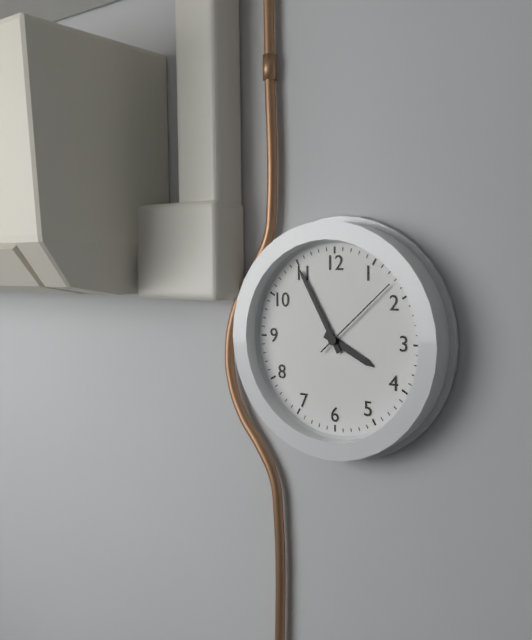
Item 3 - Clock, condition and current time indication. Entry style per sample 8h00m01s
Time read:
3h55m08s
